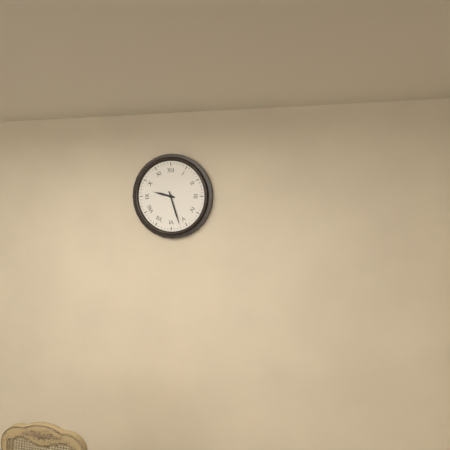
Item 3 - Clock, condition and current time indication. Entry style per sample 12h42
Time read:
9h27
